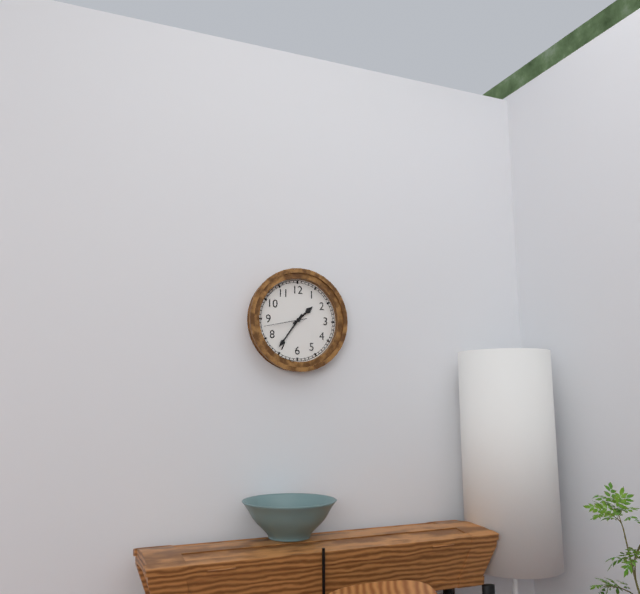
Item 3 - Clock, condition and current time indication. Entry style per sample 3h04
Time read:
1h36
